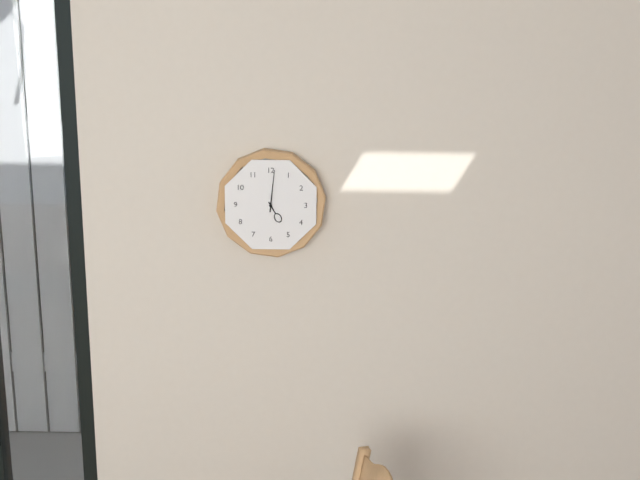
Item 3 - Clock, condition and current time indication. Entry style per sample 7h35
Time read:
5h01
